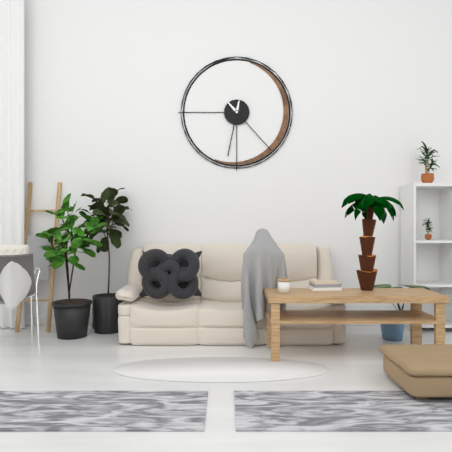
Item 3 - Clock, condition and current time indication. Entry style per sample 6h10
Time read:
6h23
